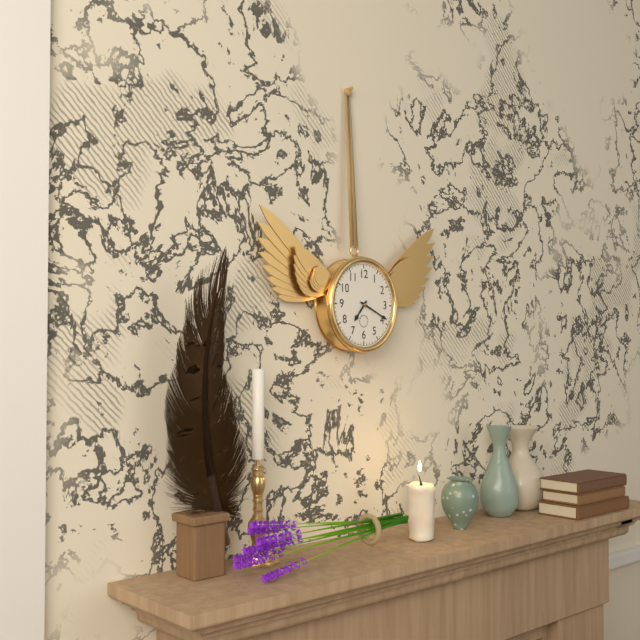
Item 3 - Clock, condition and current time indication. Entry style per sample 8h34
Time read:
7h19
